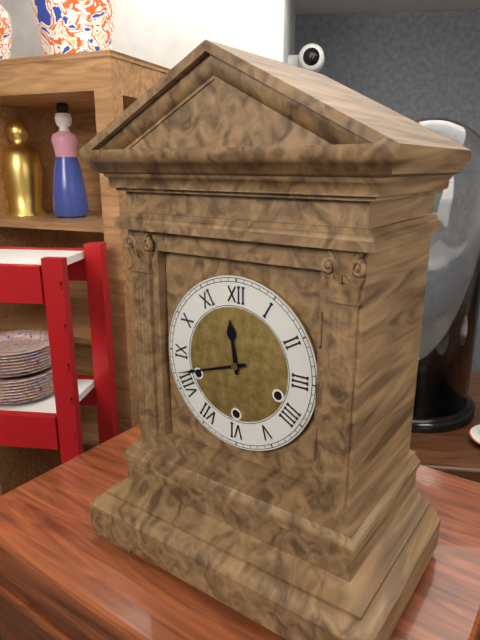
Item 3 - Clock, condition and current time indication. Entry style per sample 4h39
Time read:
11h42
